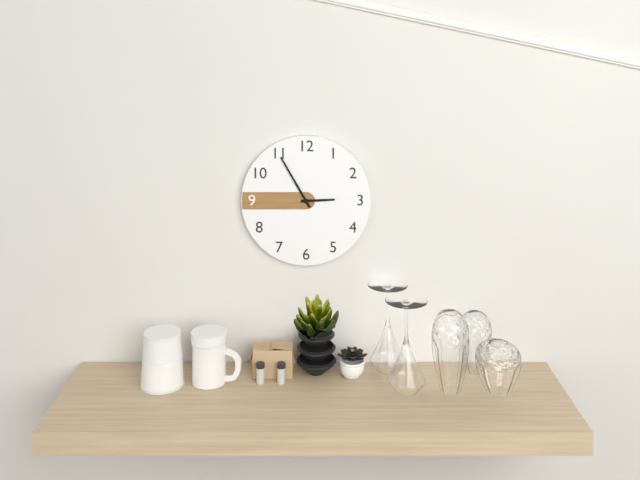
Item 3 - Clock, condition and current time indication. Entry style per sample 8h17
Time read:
2h55
